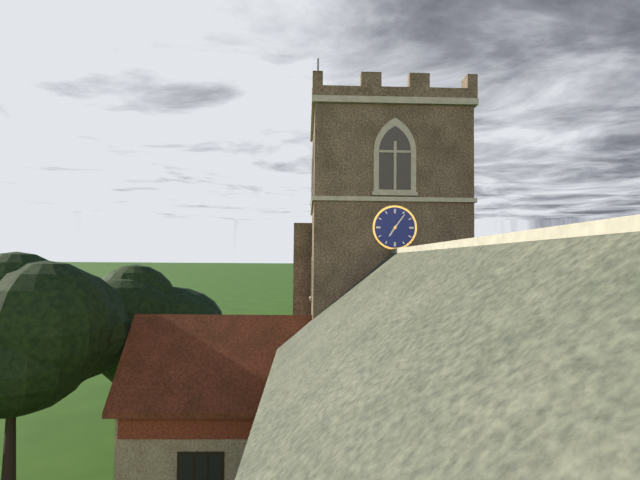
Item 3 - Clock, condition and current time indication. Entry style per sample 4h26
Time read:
7h06
